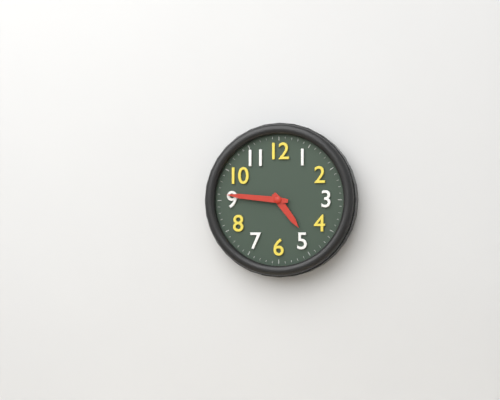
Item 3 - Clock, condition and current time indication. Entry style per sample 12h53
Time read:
4h46
